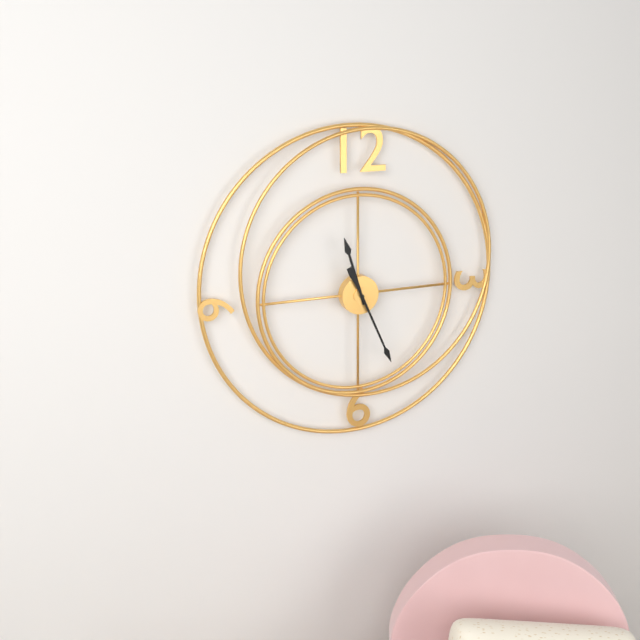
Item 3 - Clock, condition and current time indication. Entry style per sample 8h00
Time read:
11h26
